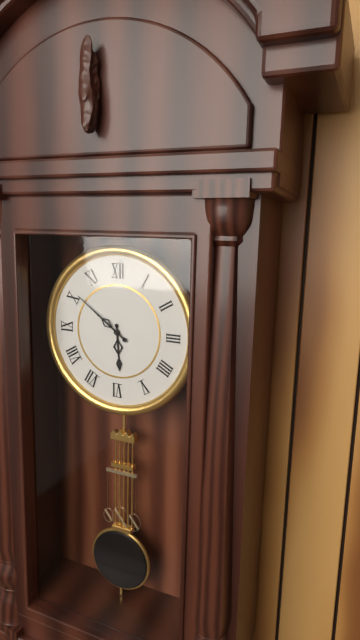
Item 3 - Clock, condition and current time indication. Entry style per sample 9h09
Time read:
5h51
